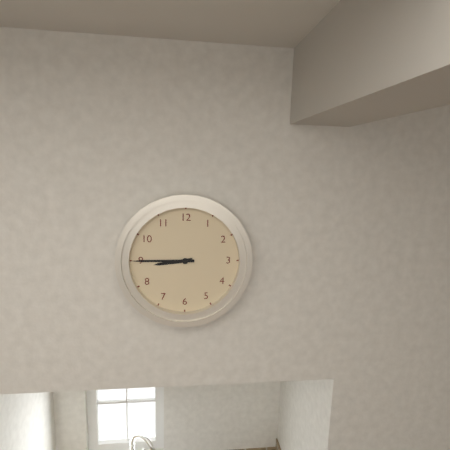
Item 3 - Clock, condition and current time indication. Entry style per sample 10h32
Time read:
8h45
